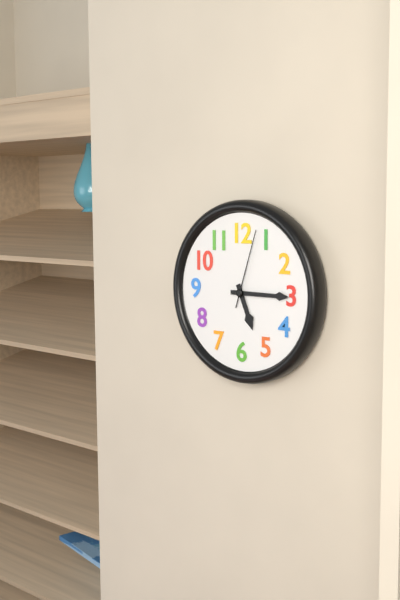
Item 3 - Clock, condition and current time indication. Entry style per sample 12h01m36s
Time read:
5h15m03s
